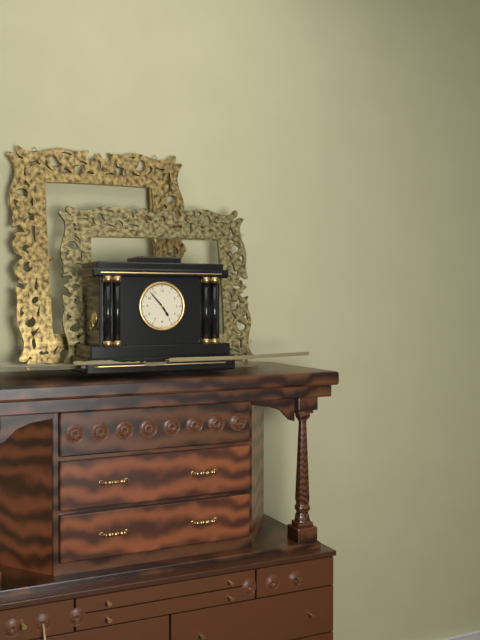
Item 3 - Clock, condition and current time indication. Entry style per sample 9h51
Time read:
4h53
